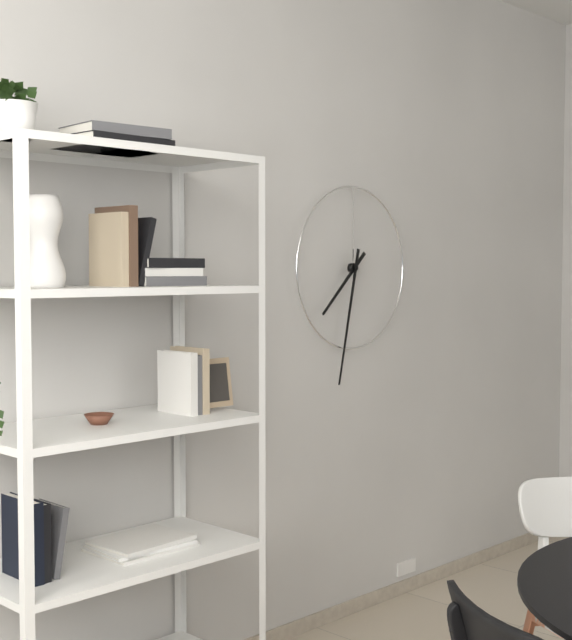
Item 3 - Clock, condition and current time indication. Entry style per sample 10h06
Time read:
7h32
